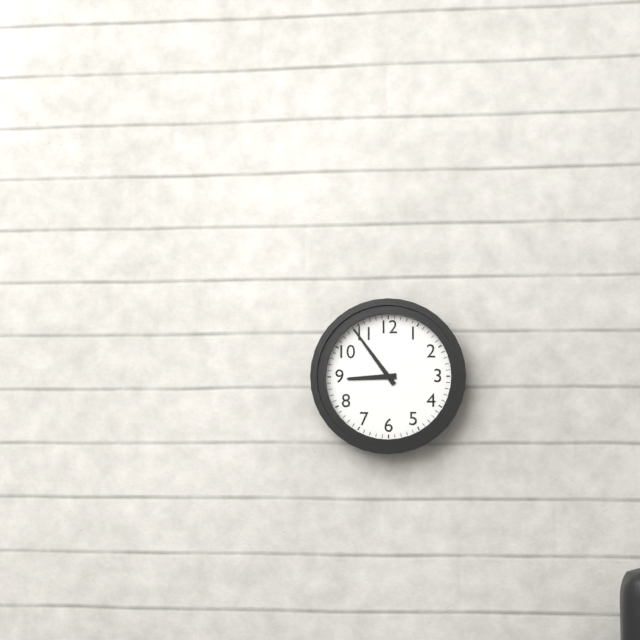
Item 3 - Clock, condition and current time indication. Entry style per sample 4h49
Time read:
8h54
